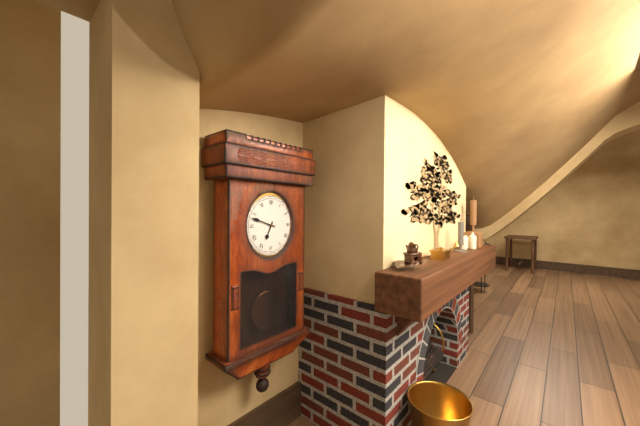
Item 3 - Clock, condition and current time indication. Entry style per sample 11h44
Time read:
6h48
